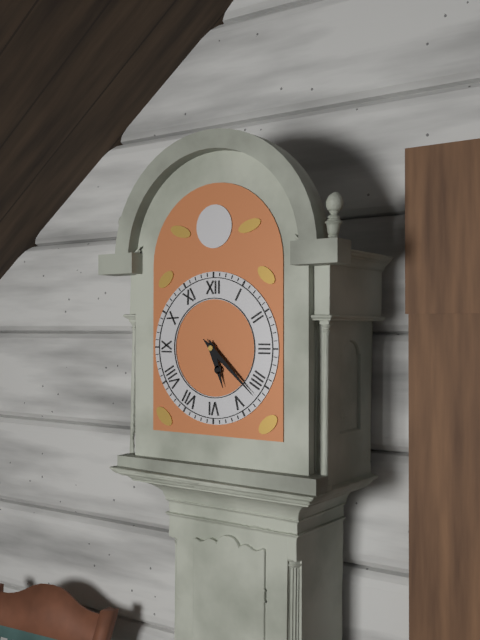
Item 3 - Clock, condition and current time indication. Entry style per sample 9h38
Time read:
5h22
